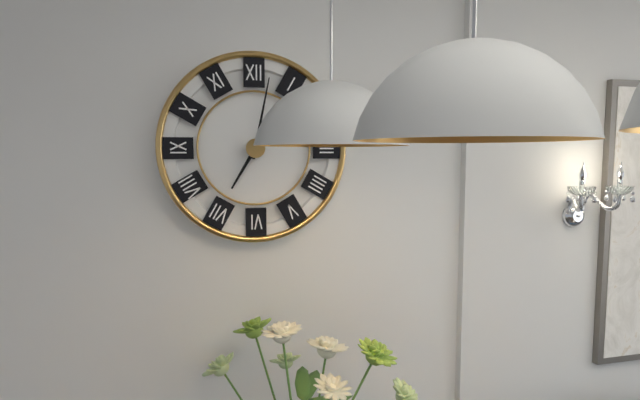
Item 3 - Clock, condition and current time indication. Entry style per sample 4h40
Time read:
7h02
